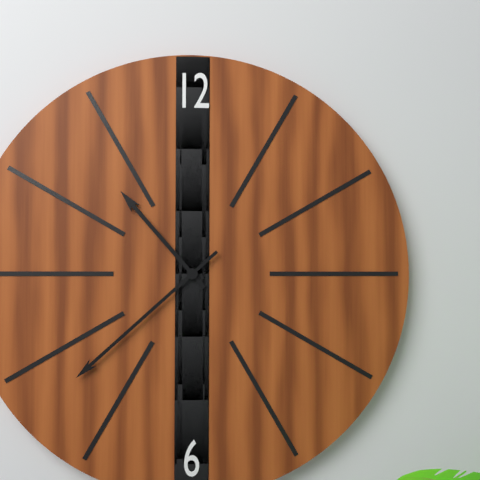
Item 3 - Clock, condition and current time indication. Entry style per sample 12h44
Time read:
10h38
